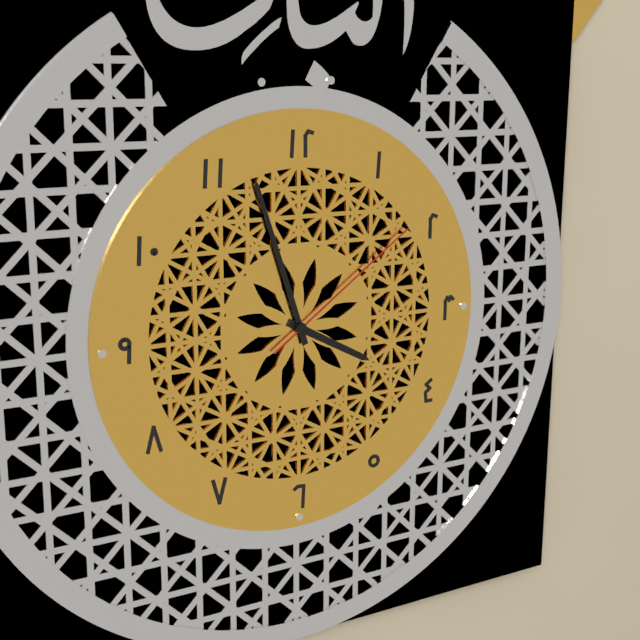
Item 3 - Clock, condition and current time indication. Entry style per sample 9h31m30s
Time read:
3h57m09s
